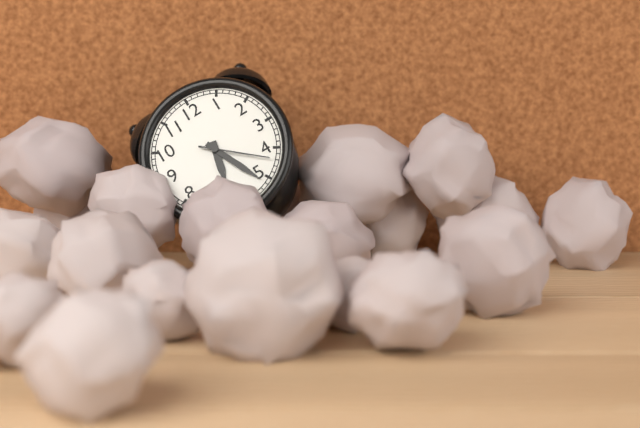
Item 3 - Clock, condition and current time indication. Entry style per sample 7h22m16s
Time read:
6h26m22s
